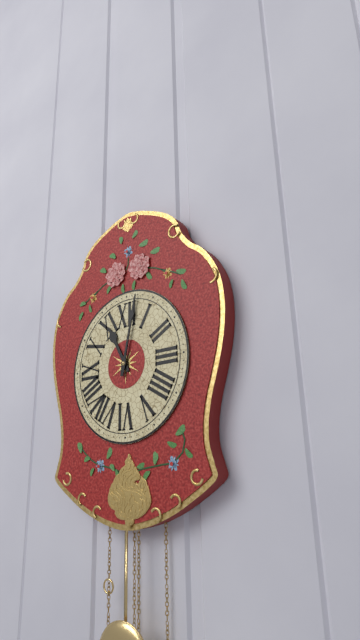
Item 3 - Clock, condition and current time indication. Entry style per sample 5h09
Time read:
11h02
